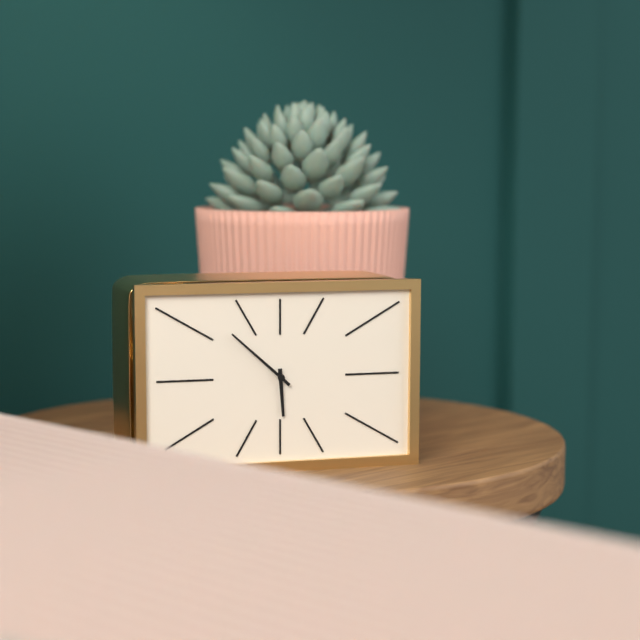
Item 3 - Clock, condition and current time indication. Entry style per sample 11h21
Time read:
5h52
